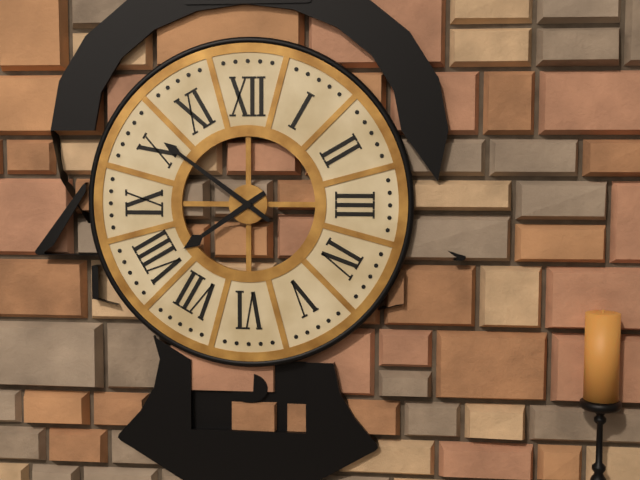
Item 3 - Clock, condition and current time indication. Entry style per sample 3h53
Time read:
7h51
